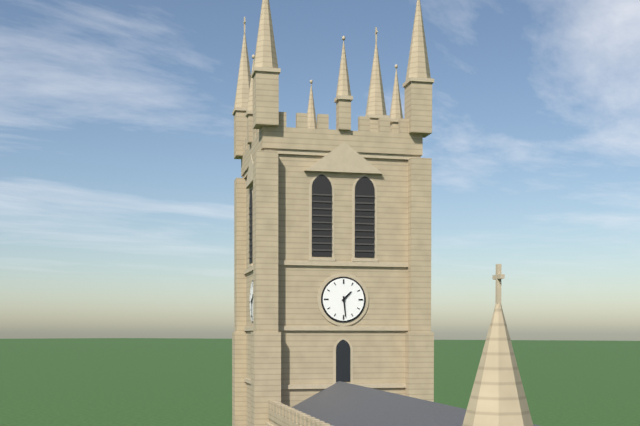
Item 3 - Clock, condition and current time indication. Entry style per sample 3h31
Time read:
1h29
